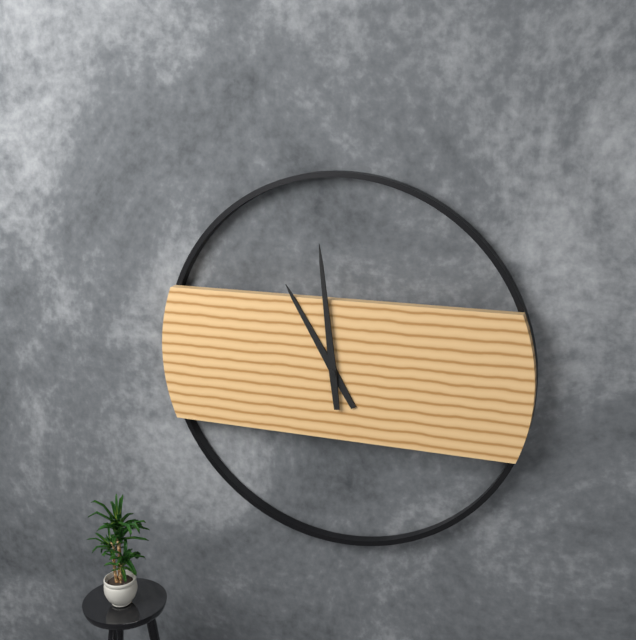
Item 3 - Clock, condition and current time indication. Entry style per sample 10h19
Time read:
10h59
